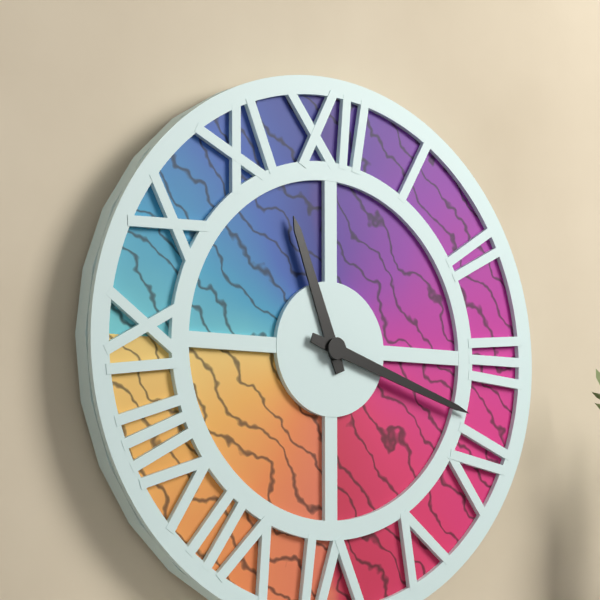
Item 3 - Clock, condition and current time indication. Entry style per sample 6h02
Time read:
11h18
